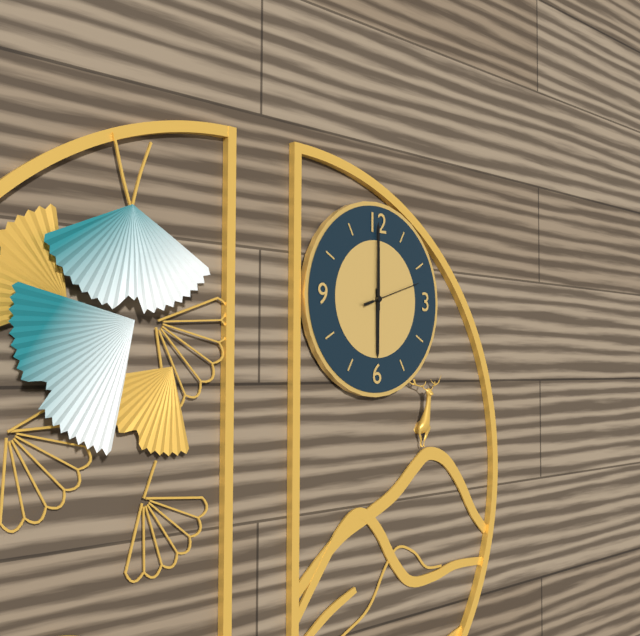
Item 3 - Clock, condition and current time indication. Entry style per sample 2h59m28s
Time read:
6h00m12s
